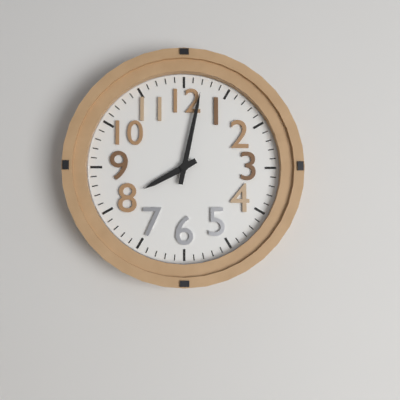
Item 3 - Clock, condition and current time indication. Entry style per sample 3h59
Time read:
8h02
